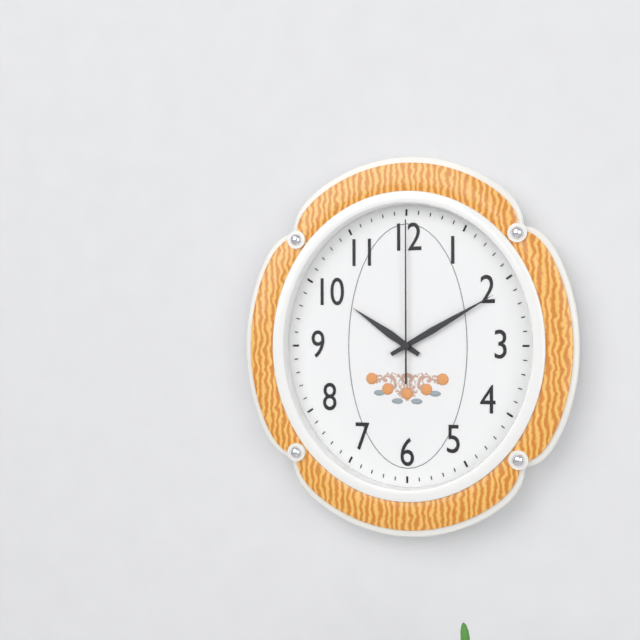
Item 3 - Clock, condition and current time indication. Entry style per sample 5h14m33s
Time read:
10h10m00s
